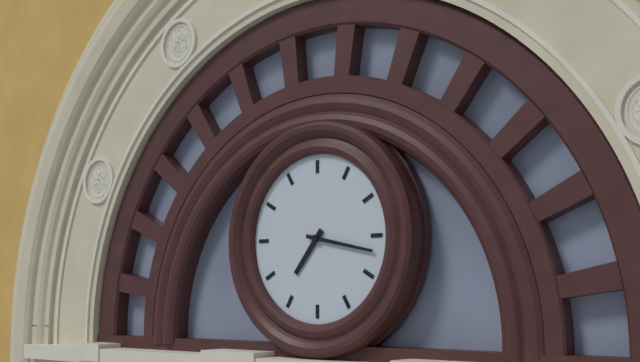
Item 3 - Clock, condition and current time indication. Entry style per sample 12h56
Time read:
7h17
